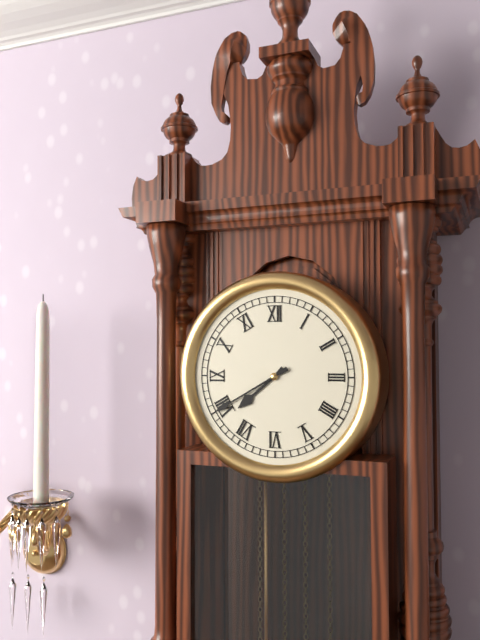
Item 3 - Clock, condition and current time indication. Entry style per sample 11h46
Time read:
7h40
